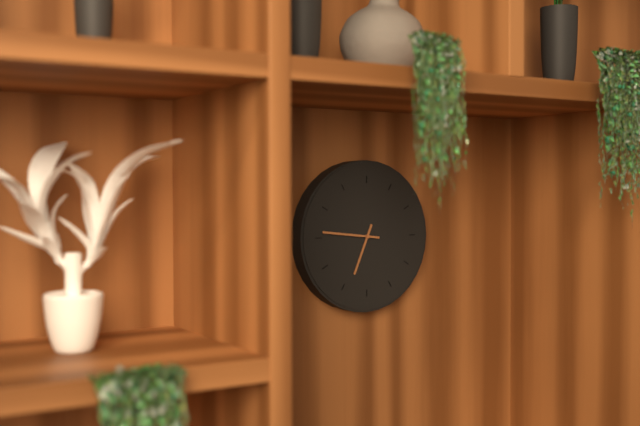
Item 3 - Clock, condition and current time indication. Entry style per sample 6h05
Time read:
6h46
